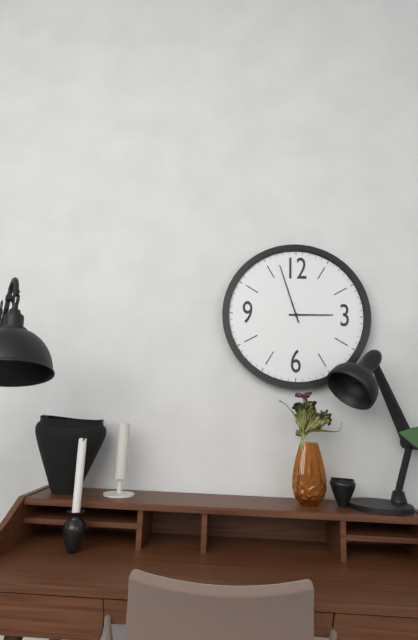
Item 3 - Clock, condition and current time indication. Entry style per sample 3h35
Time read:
2h57
